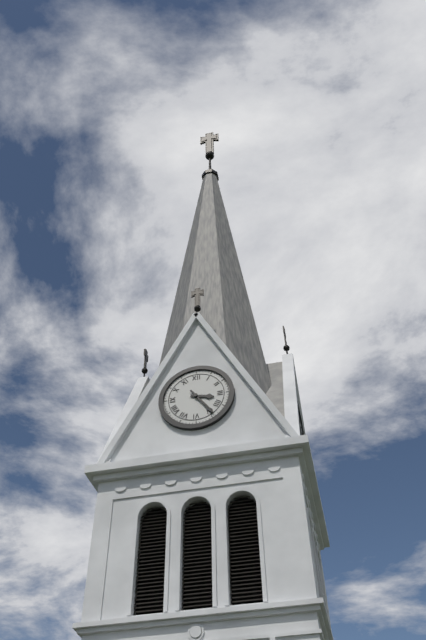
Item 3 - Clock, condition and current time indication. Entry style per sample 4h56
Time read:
3h24
